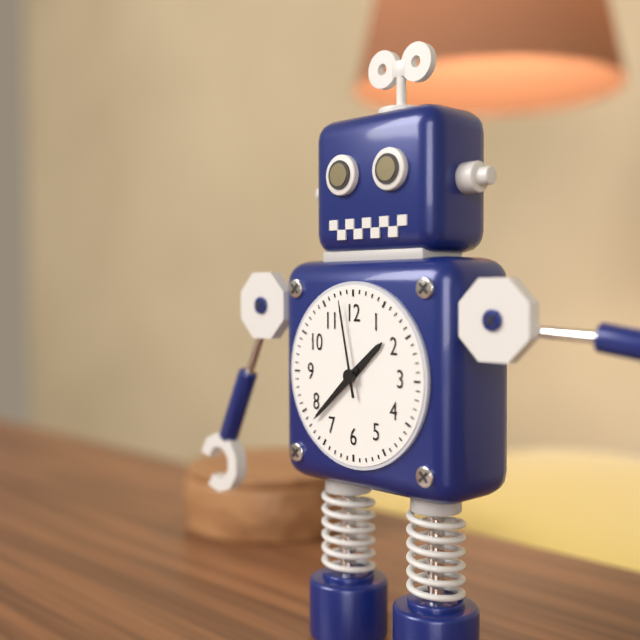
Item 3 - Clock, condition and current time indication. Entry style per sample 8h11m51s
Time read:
1h38m58s
